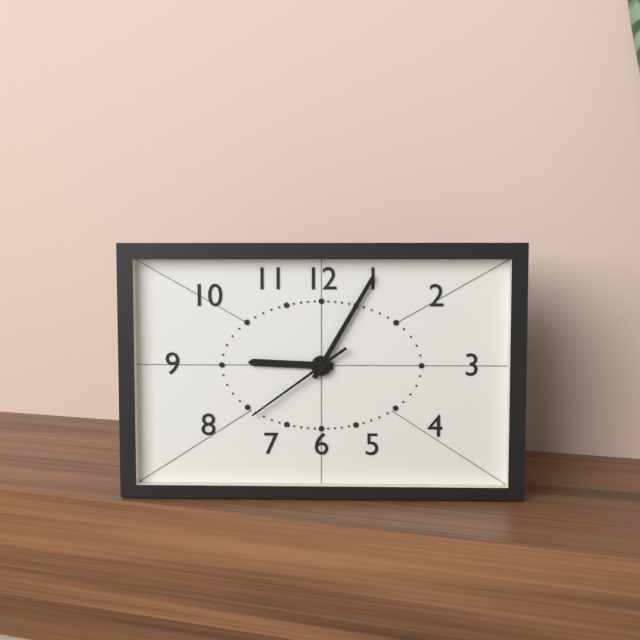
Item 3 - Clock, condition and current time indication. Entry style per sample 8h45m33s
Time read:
9h05m39s
